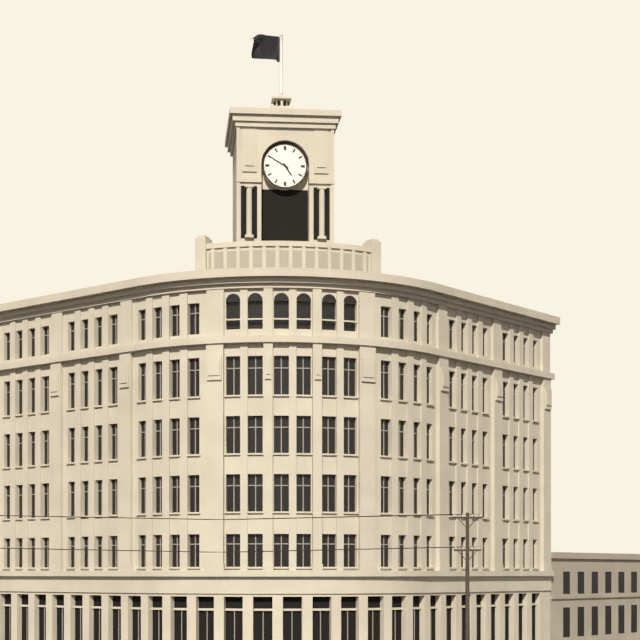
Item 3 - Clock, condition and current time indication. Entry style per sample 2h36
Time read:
4h50
